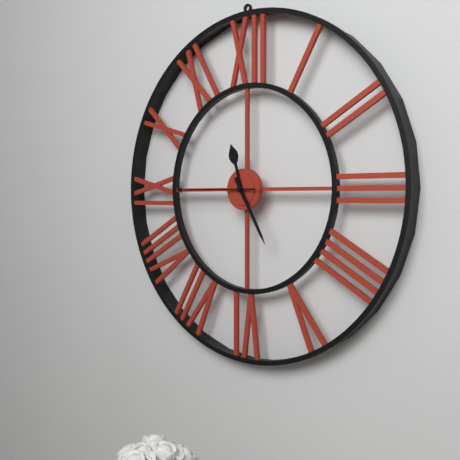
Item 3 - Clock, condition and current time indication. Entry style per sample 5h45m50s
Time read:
11h25m45s
